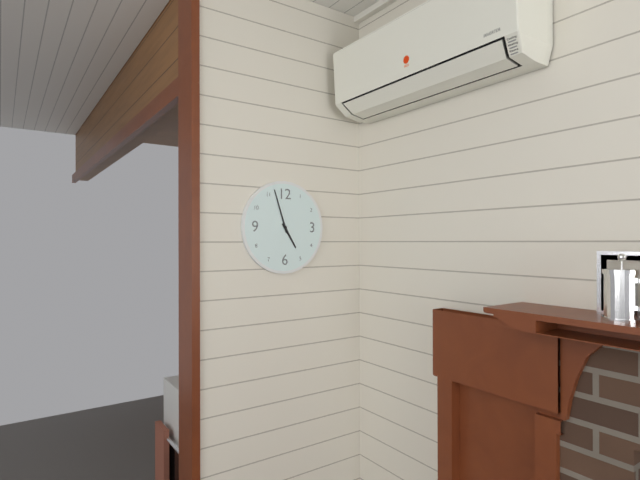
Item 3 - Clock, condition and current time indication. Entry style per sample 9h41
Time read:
4h57
